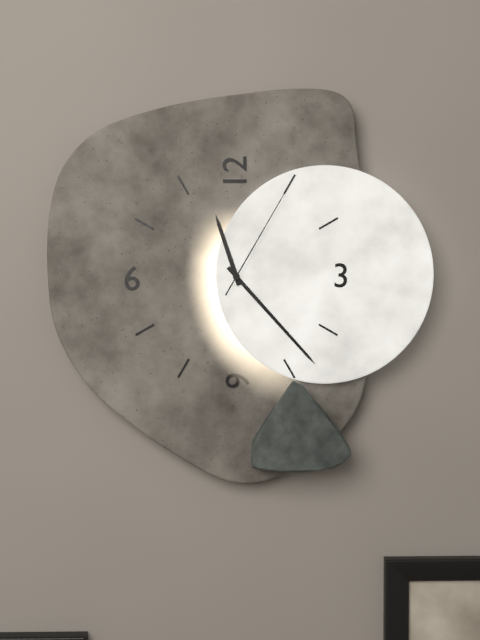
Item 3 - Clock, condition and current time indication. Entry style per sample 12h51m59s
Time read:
11h23m05s
